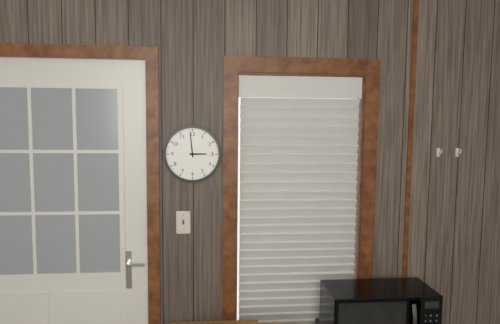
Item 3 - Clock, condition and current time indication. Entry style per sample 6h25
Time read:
2h59
